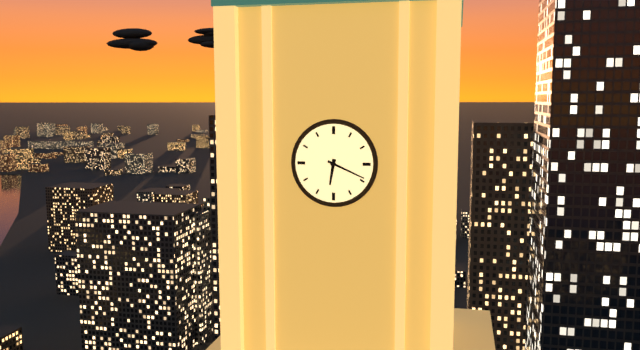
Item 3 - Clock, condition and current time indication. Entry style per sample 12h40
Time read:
6h19
